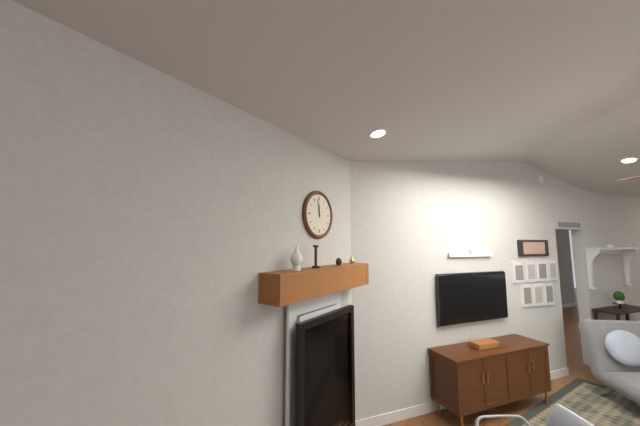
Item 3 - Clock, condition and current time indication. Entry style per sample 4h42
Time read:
11h58
